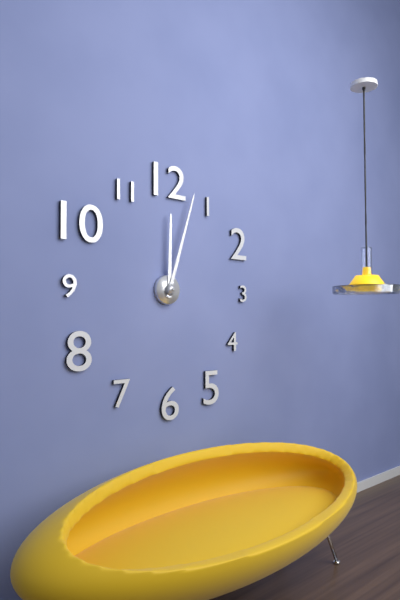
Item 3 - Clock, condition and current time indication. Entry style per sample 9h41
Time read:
12h03
